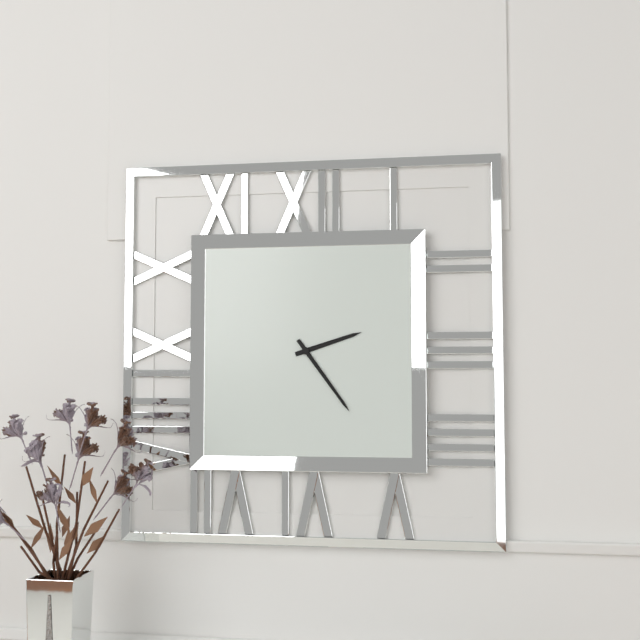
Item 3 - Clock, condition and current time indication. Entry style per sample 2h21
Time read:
2h24
